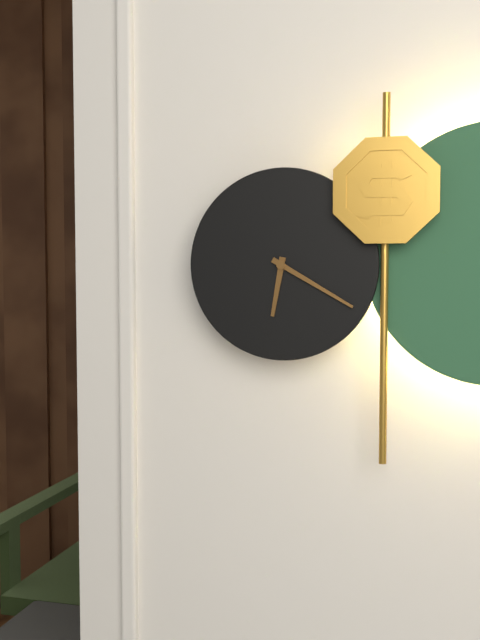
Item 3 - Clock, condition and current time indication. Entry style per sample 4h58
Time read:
6h20
